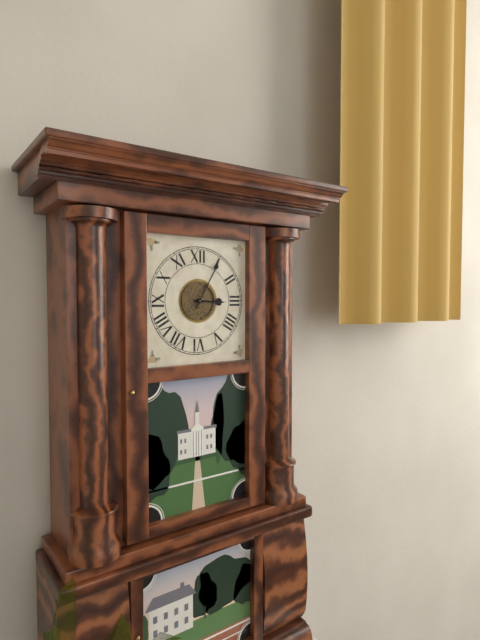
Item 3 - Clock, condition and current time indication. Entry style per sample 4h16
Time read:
3h05
